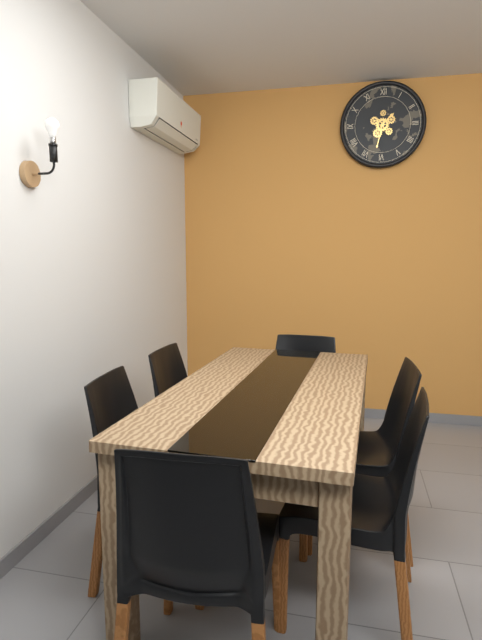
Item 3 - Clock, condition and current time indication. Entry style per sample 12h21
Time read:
1h32
